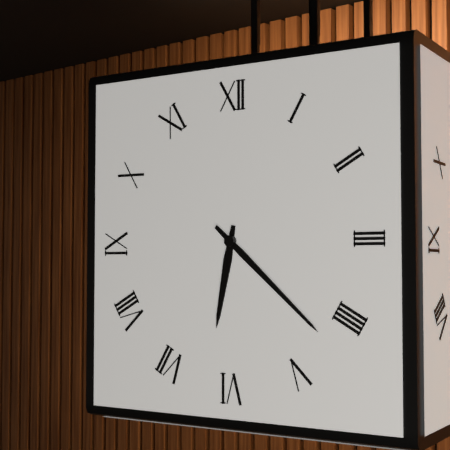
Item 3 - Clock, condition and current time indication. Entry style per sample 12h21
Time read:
6h22
